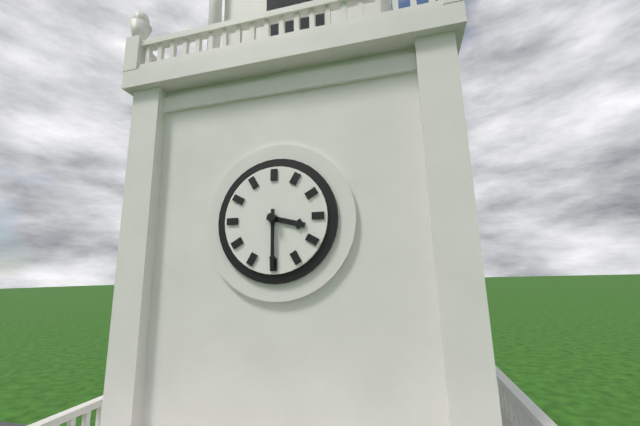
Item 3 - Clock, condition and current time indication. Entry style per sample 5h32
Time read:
3h30
